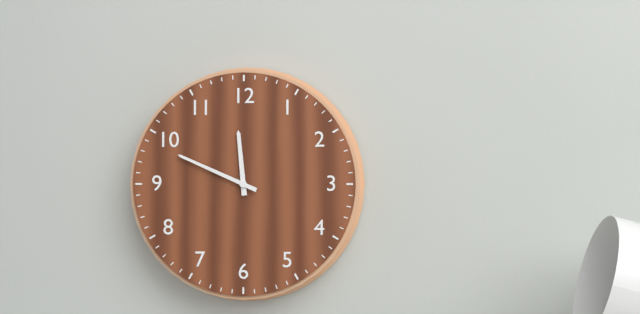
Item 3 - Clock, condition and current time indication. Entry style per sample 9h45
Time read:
11h49
